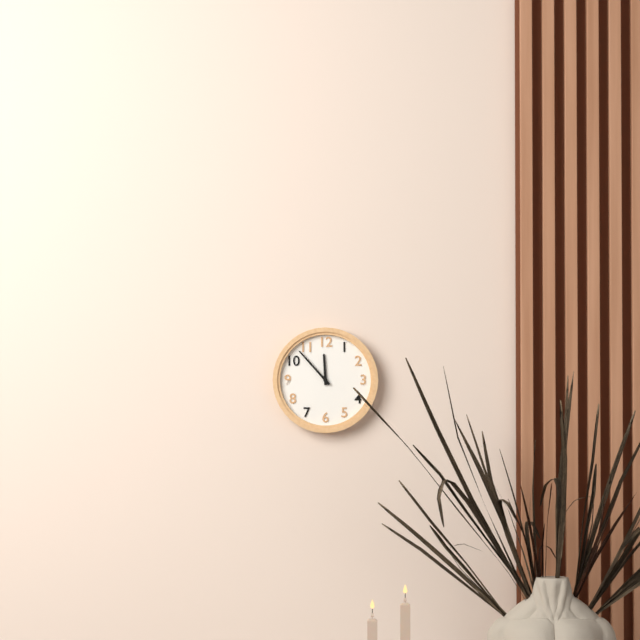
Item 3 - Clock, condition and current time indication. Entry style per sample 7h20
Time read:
11h53
